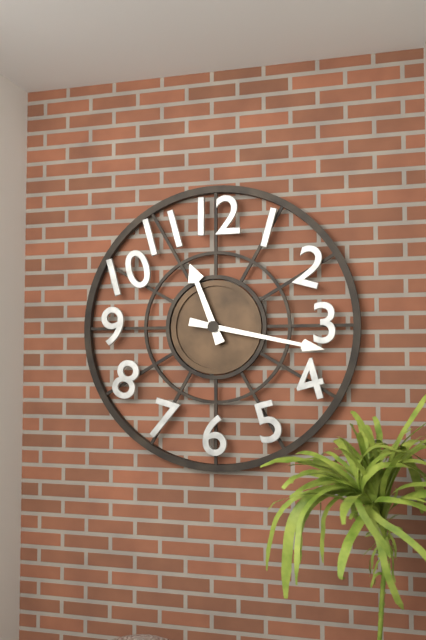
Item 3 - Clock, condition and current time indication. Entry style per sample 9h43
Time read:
11h17
